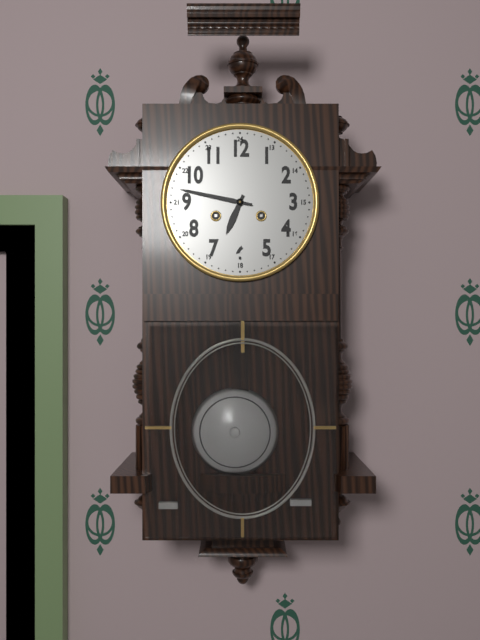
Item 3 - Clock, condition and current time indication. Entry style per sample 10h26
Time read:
6h47
